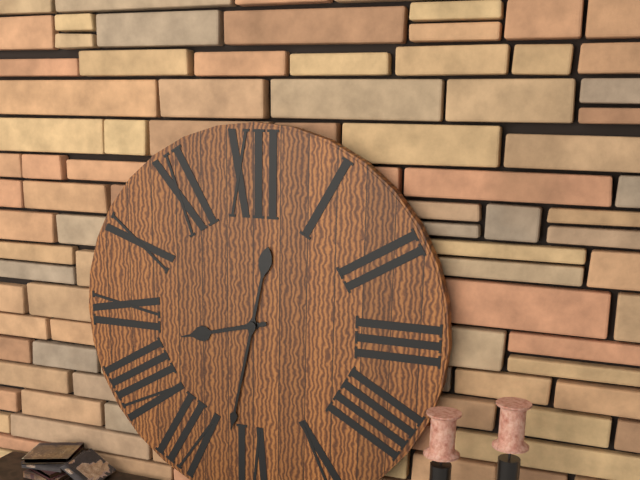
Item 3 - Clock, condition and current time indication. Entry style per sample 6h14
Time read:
8h32
